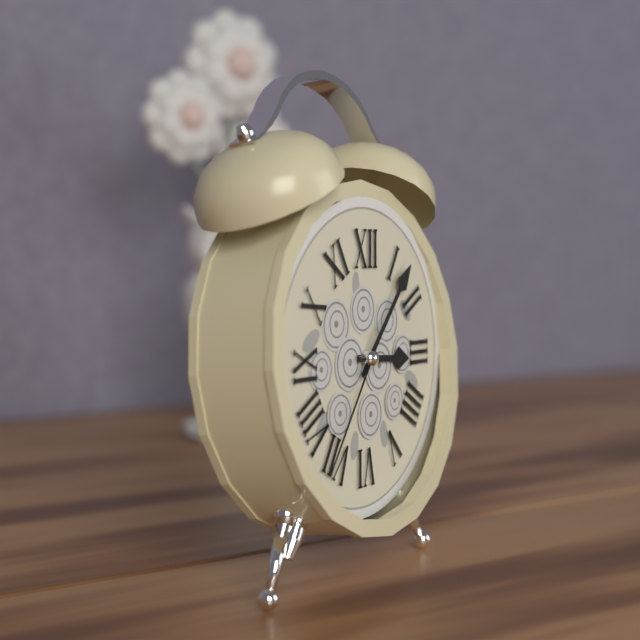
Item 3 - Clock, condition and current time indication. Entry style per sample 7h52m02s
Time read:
3h07m36s
